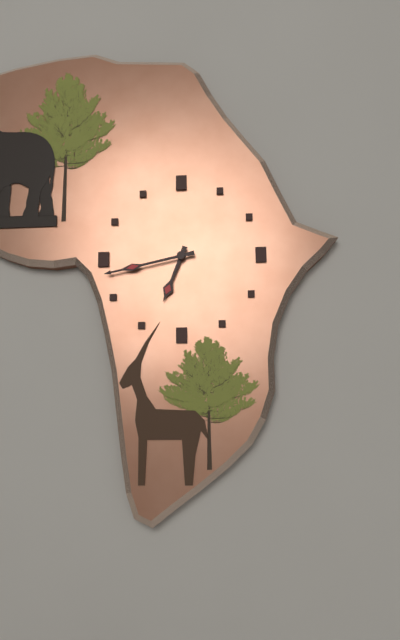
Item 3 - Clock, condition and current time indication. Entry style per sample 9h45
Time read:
6h43
